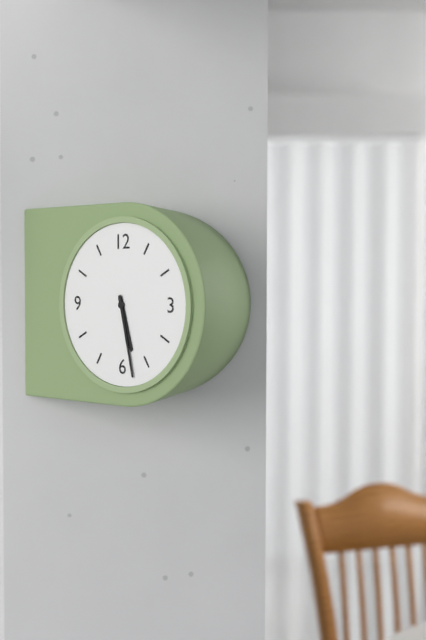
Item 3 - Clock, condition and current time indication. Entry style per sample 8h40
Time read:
5h28
